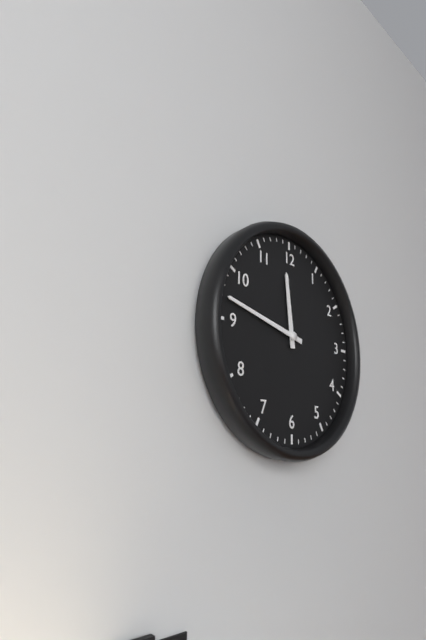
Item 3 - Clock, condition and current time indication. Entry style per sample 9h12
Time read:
11h47
